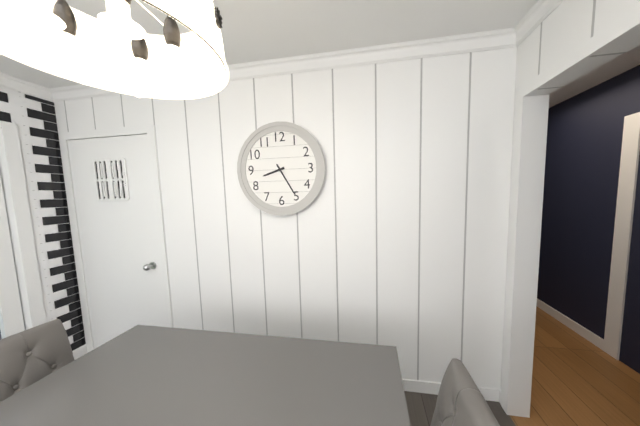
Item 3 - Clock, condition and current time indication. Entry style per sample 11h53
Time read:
8h25
